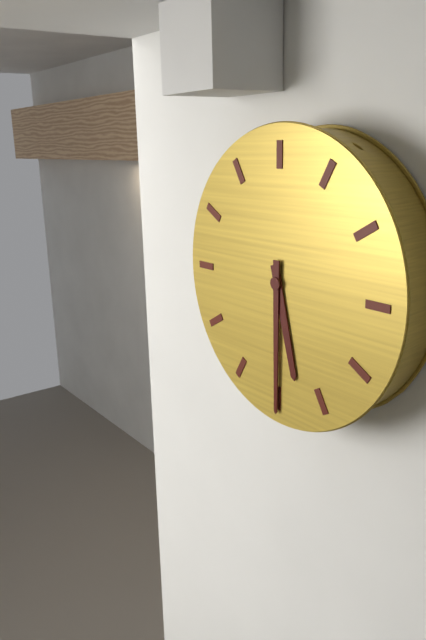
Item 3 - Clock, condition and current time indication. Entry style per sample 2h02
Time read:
5h30
